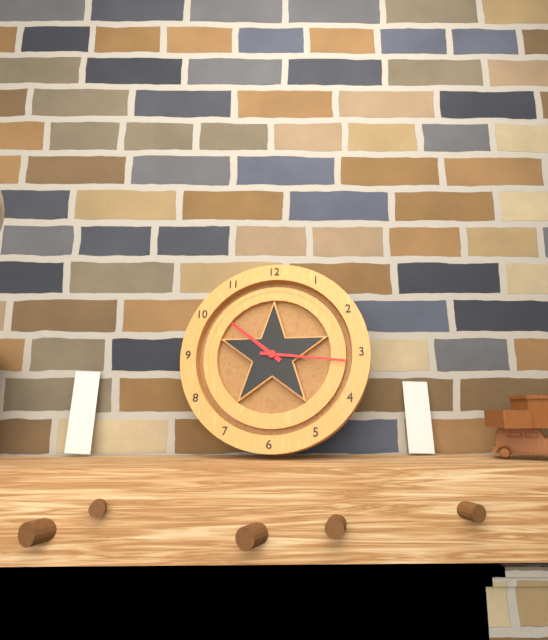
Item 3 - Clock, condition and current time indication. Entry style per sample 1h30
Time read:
10h16
